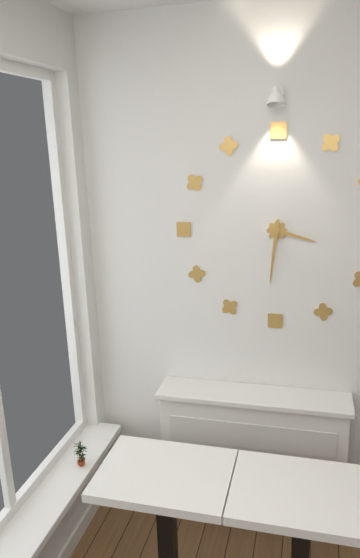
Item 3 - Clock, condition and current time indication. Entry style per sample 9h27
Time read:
3h31
